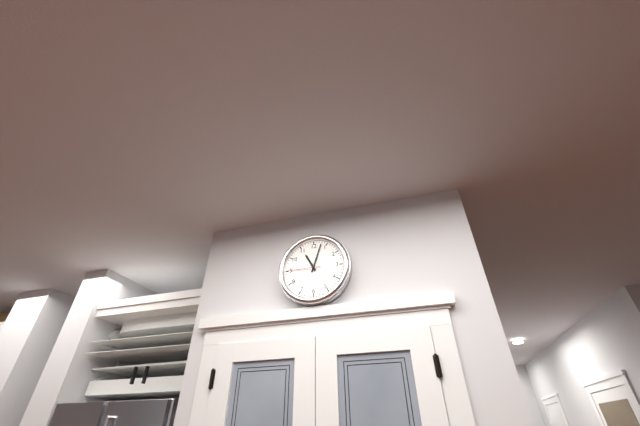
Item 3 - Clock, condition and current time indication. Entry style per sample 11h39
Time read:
11h03
